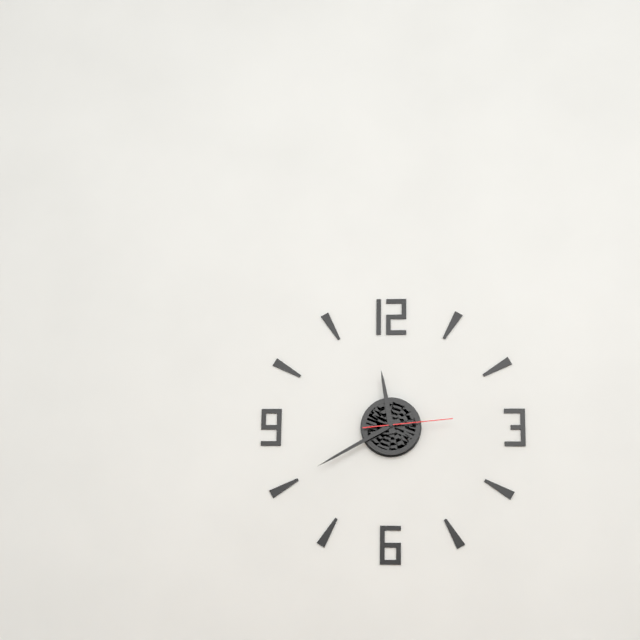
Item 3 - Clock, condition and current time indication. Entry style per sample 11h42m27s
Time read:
11h40m14s
